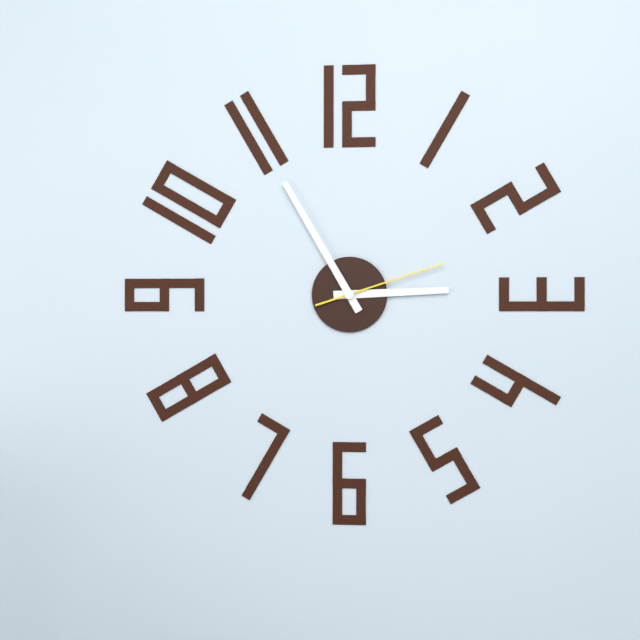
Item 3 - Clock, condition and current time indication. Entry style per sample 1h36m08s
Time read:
2h55m12s
